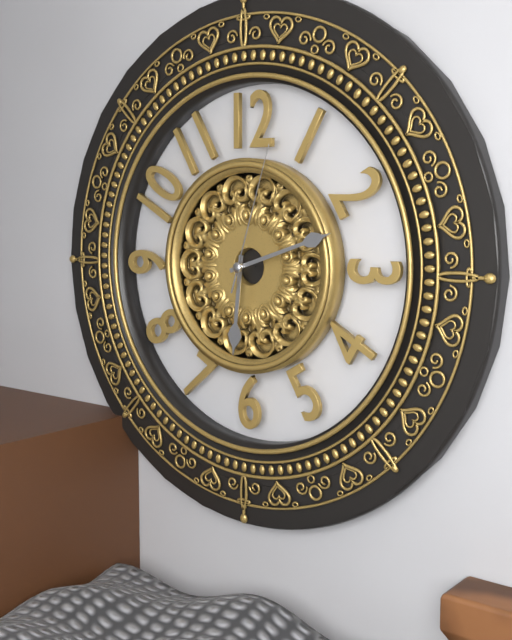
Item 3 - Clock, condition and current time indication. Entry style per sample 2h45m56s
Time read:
6h12m03s
